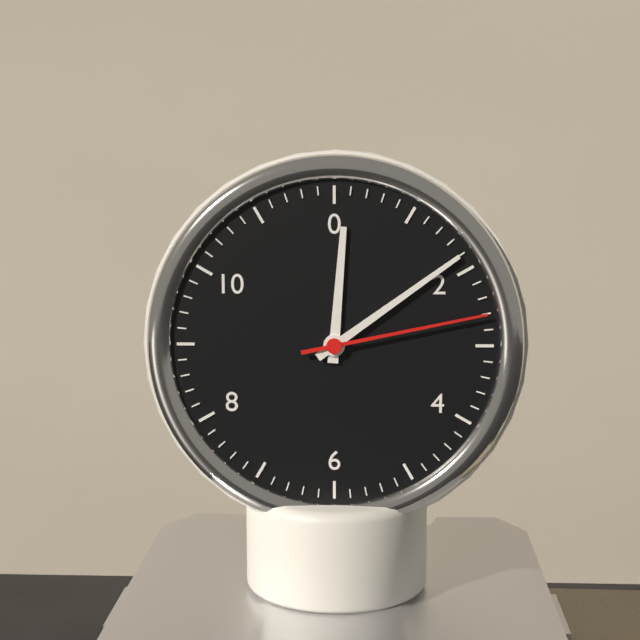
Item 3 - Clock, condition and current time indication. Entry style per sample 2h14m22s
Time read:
12h09m13s
